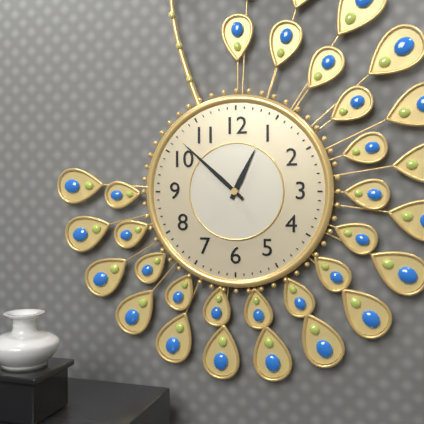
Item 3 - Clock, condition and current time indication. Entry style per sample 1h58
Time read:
12h52
